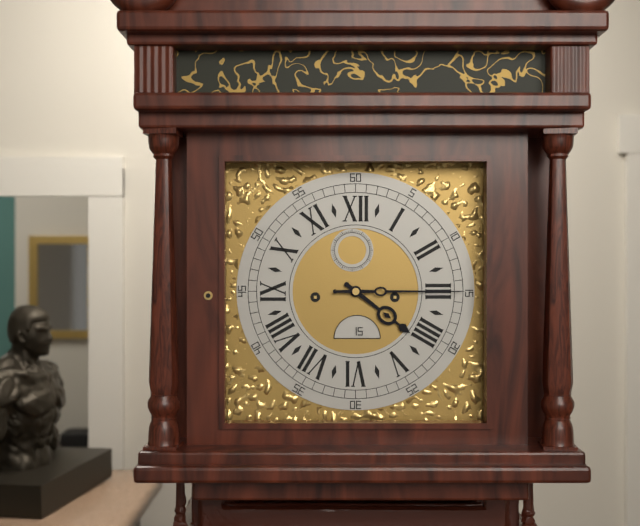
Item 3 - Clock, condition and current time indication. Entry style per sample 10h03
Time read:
4h15
